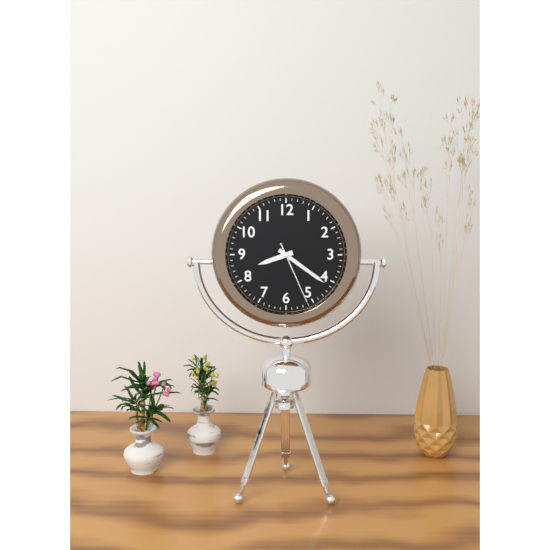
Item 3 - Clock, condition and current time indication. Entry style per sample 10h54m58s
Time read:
8h21m26s
